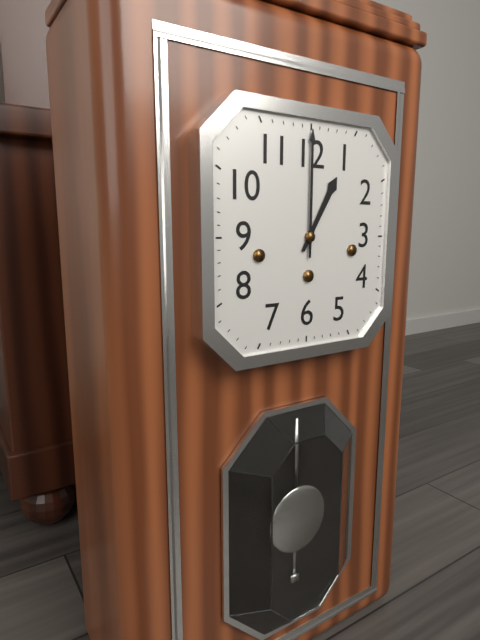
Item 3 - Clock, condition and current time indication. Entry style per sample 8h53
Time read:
1h00
